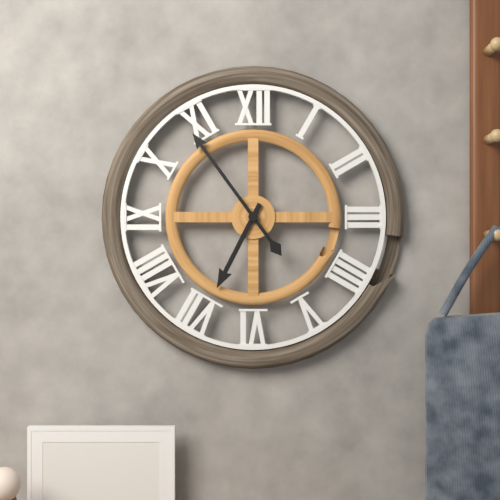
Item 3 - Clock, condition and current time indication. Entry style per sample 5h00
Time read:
6h54
